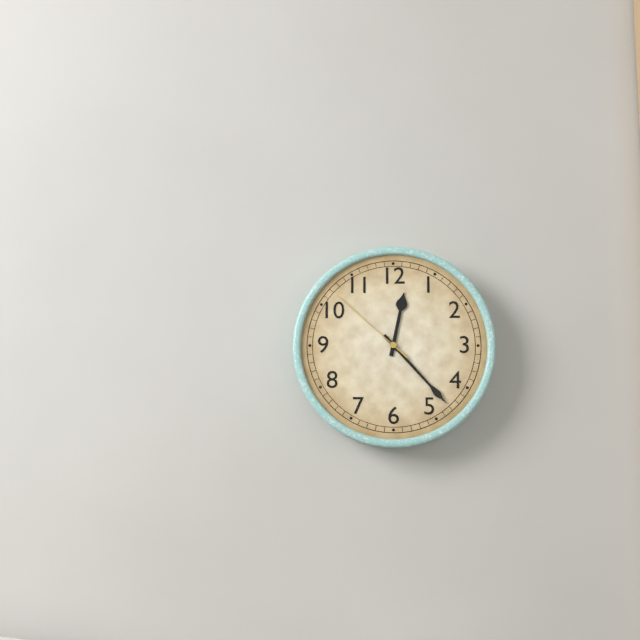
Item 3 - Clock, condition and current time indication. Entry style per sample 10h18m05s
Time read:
12h23m52s
